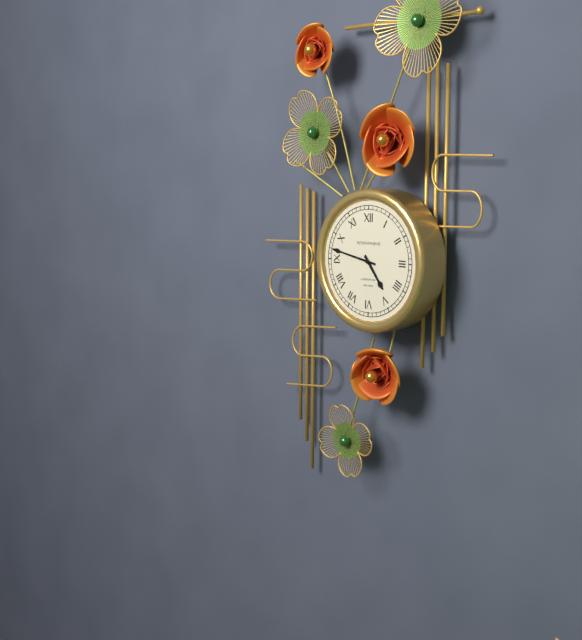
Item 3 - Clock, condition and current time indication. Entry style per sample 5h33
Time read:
4h47
